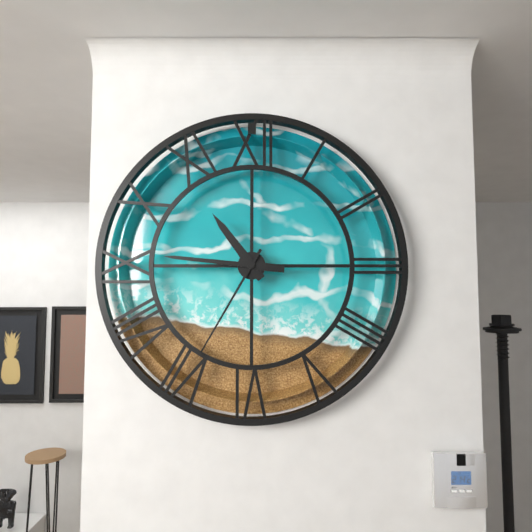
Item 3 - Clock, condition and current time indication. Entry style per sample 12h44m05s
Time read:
10h46m35s
